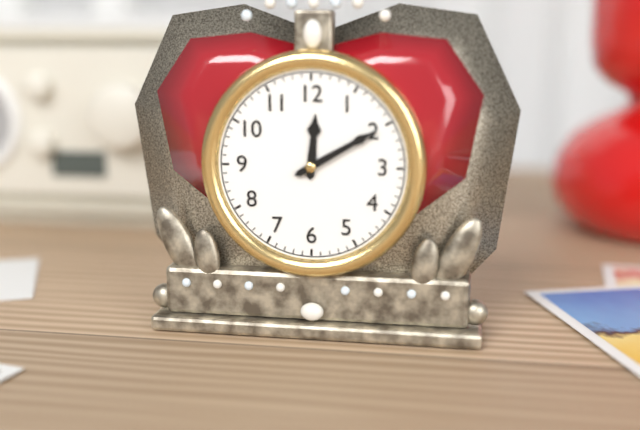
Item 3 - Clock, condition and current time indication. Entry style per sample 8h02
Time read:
12h10
